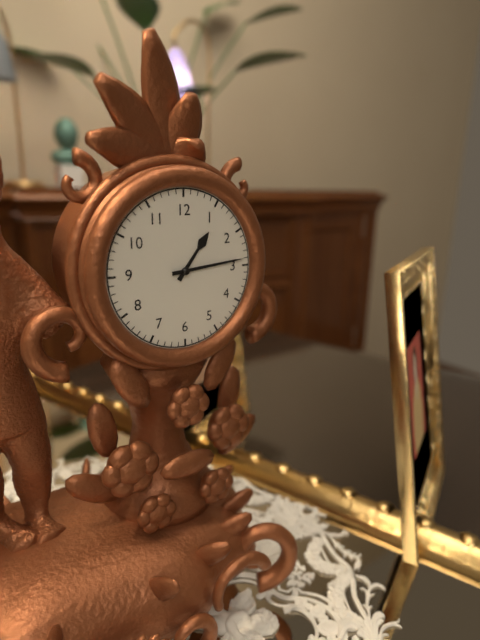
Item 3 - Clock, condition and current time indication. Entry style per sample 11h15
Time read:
1h14
